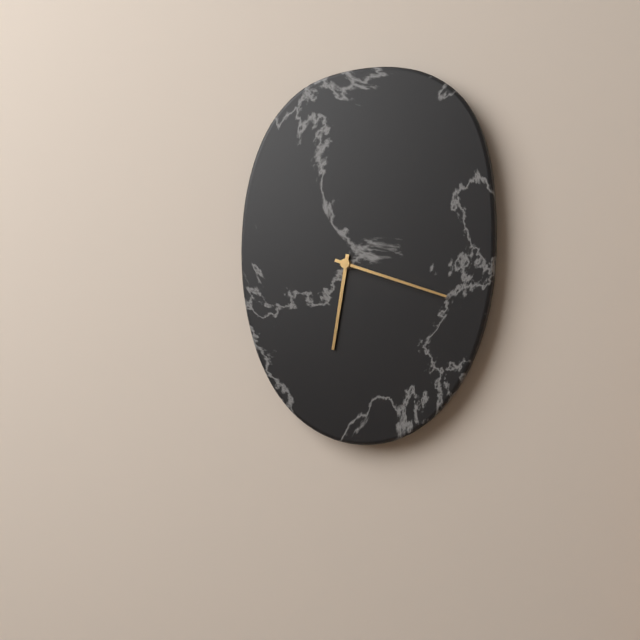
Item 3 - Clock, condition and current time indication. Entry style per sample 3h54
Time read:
6h18
